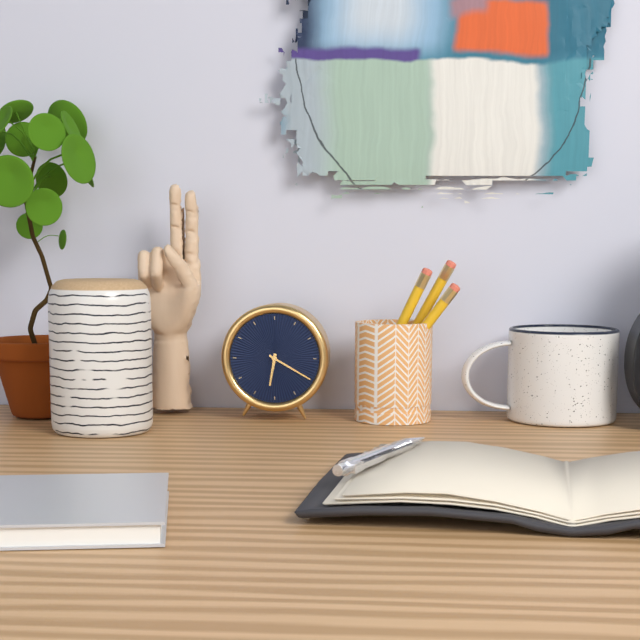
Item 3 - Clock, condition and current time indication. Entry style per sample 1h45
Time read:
6h20
